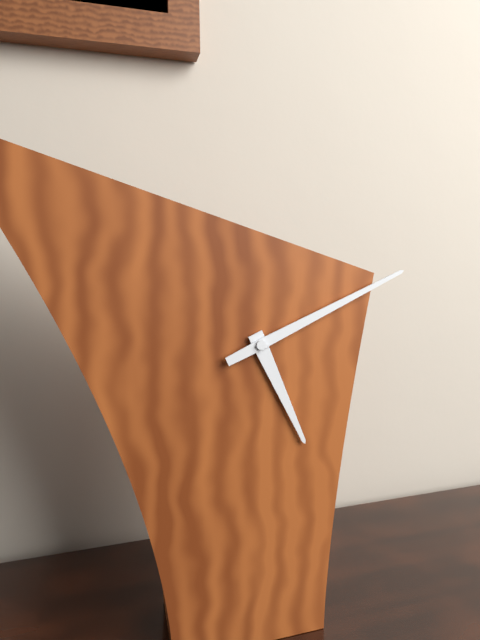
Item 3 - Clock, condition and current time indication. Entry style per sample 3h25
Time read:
5h11
